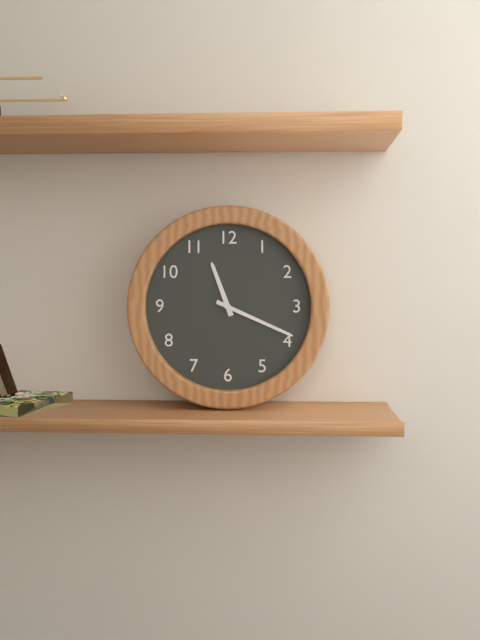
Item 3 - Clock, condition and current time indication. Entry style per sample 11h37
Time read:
11h19
